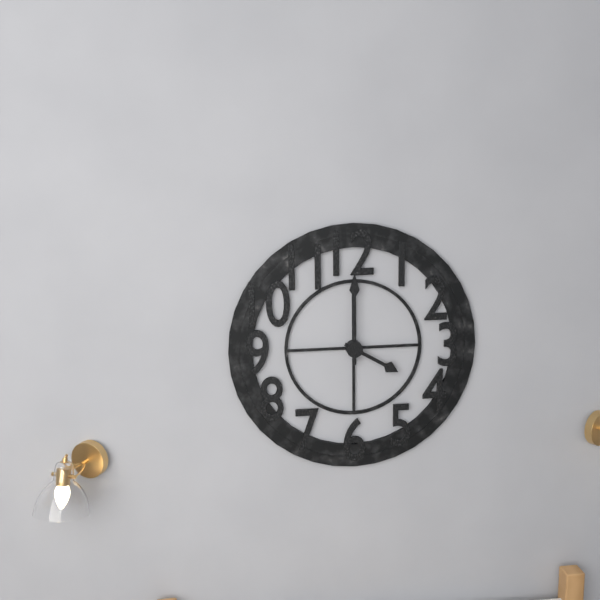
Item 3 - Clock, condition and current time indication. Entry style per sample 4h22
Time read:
4h00
